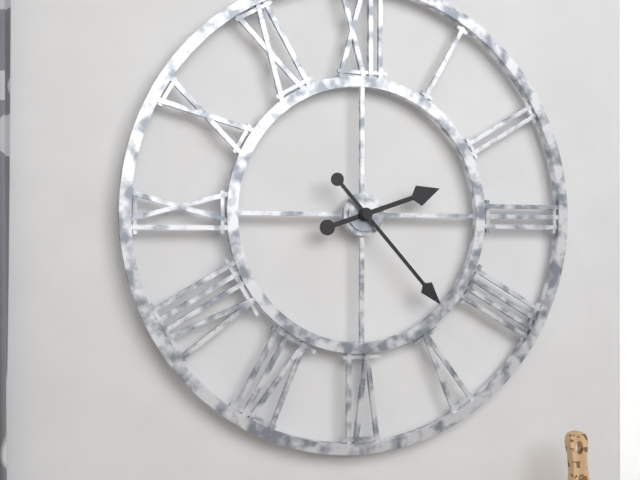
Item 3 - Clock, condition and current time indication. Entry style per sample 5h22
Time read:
2h23
